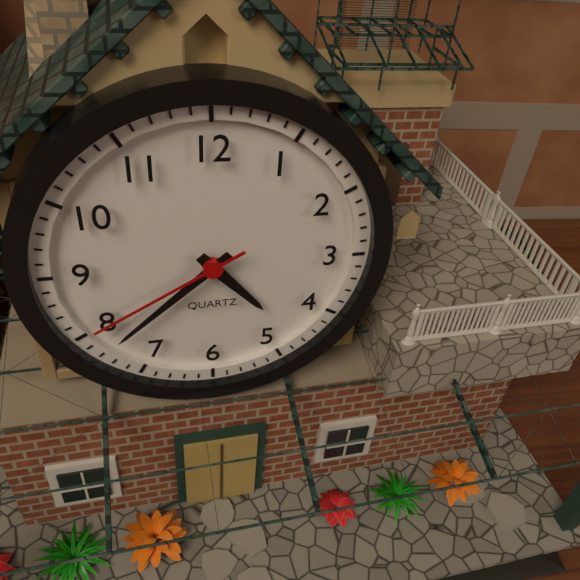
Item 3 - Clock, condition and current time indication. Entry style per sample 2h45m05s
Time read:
4h38m40s
